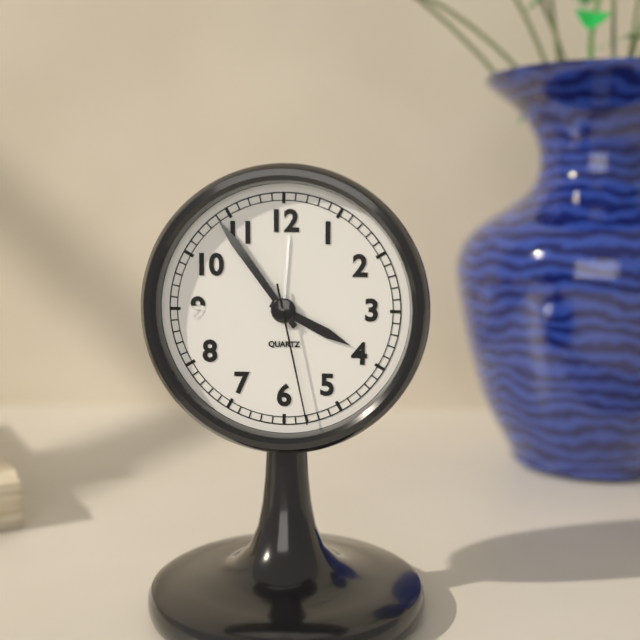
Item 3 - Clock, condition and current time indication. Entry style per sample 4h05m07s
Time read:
3h54m28s
